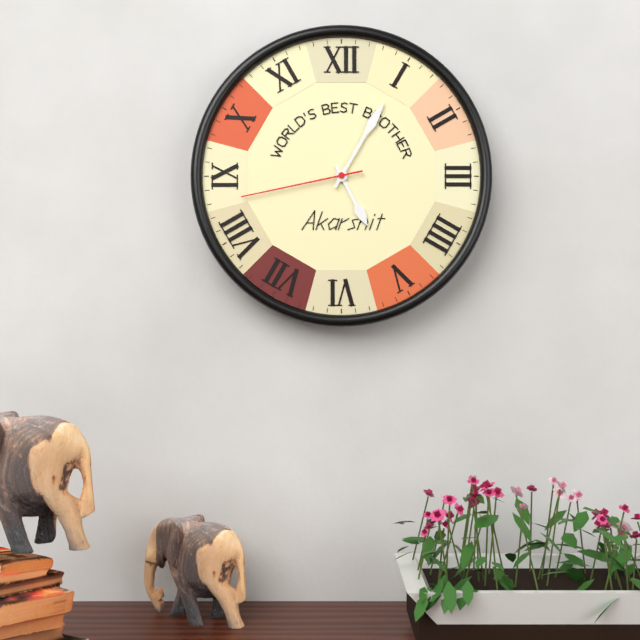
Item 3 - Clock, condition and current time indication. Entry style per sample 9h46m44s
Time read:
5h05m43s
